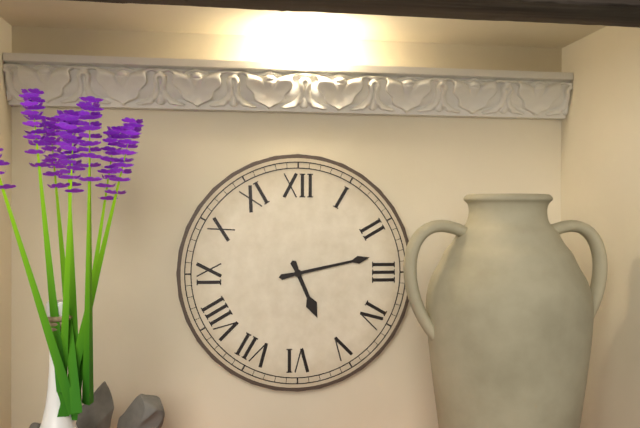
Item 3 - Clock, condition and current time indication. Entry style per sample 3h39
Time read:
5h13
